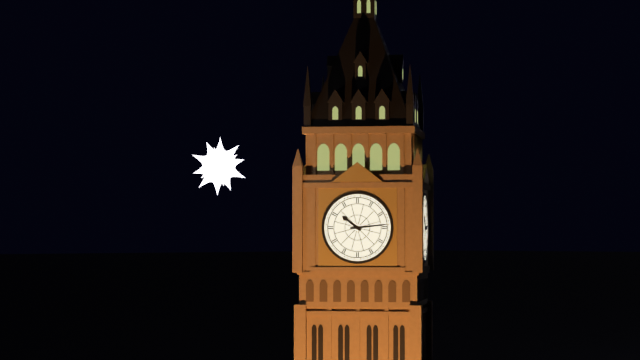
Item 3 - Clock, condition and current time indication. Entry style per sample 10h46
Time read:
10h14
